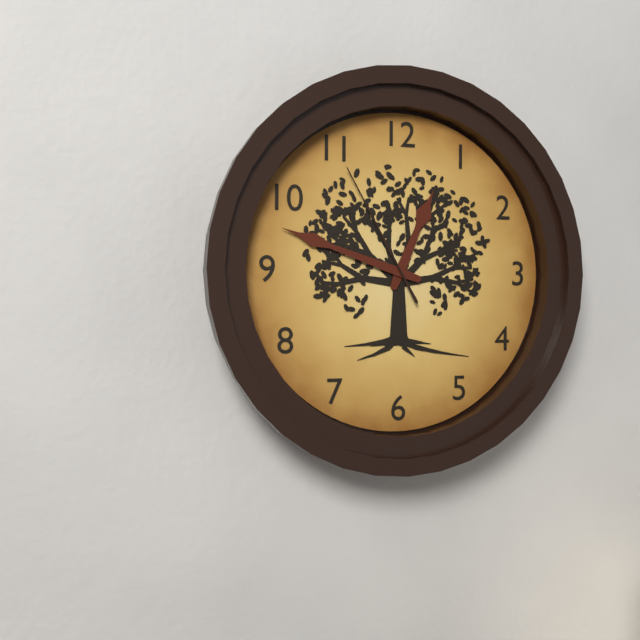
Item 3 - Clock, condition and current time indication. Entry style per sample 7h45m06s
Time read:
12h48m55s
